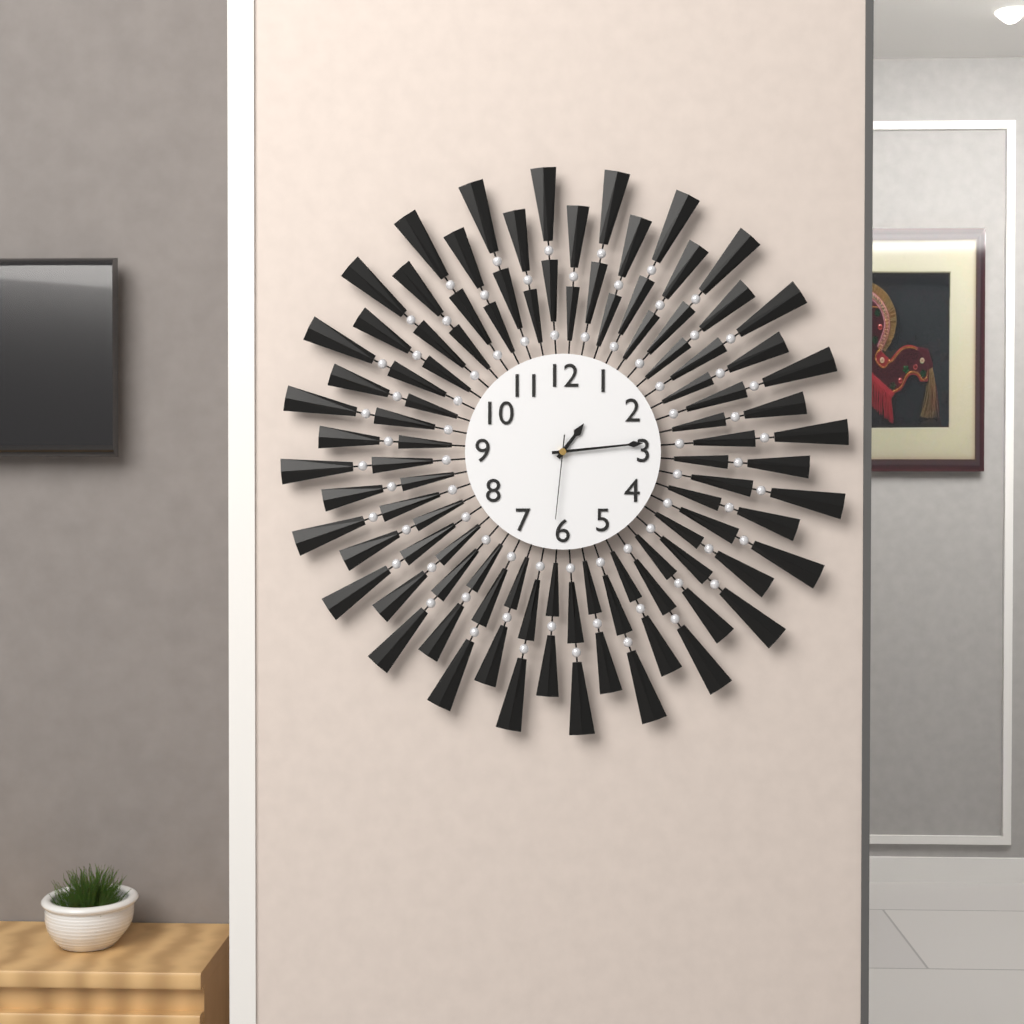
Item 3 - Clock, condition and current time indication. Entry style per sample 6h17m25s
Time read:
1h14m31s
